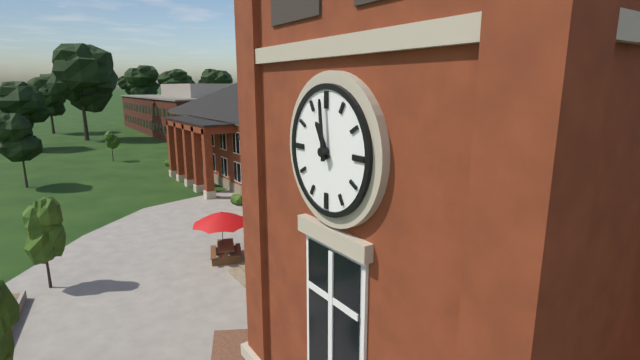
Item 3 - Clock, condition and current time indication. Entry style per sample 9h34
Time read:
10h59
